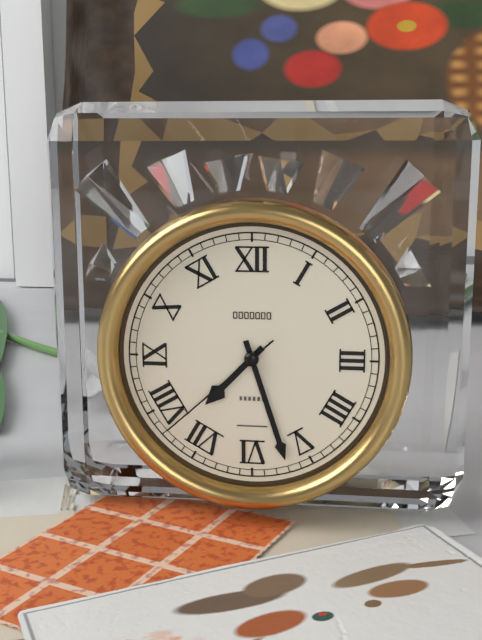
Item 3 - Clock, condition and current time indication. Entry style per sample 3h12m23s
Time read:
7h27m38s
